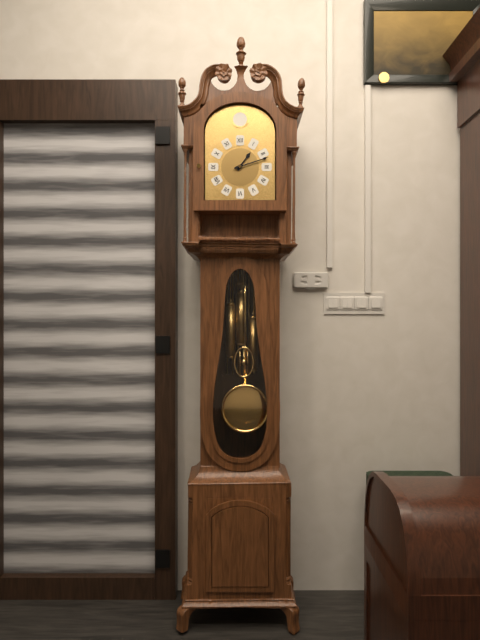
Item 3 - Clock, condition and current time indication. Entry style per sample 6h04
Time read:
1h12
